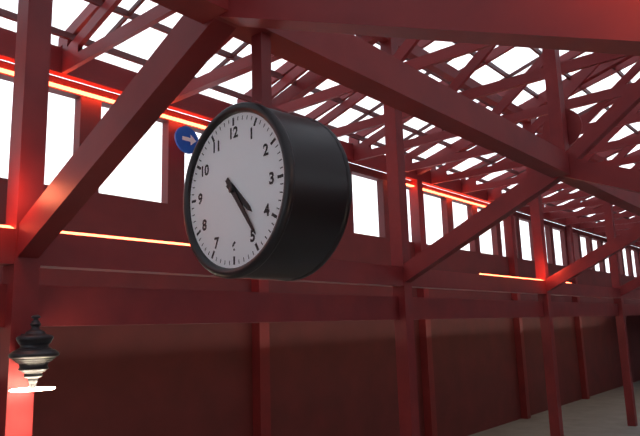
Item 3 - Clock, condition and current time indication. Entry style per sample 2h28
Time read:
4h24
